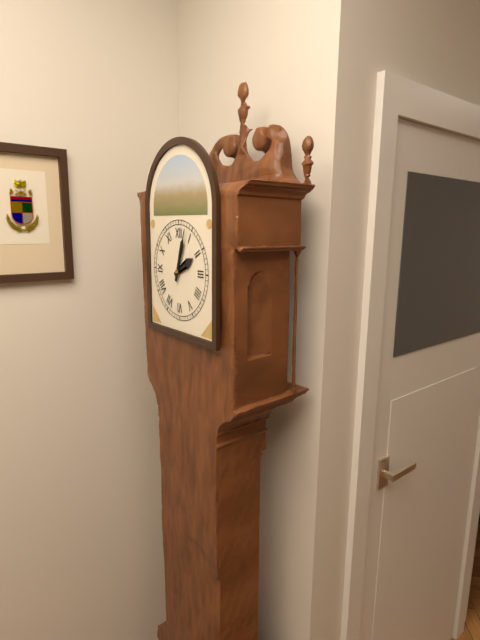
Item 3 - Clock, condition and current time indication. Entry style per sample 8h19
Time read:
2h03
